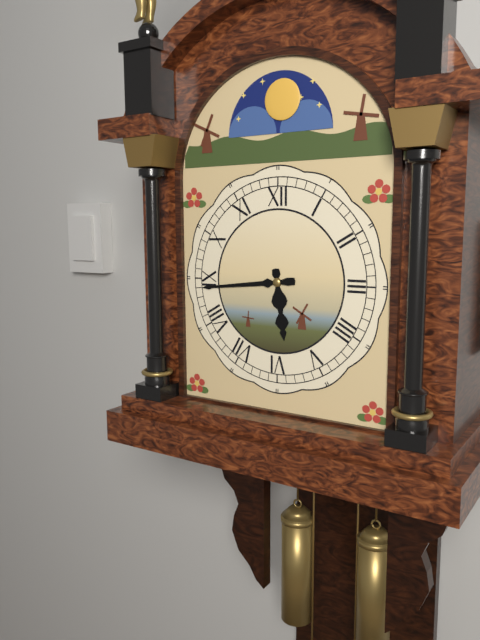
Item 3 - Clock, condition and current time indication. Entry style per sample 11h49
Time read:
5h44
